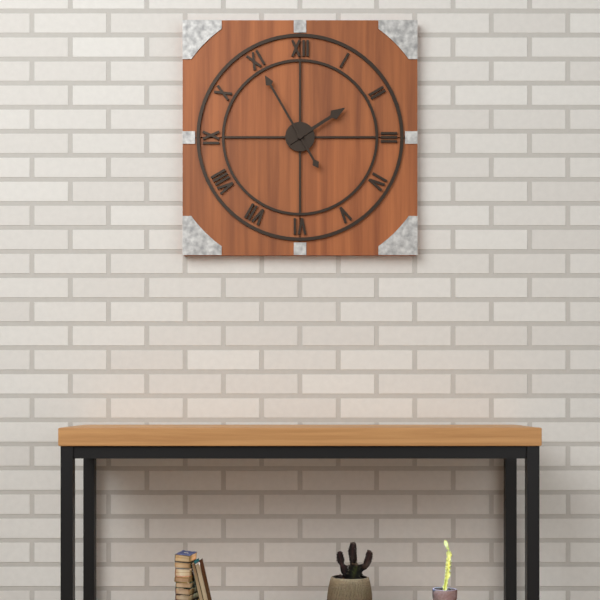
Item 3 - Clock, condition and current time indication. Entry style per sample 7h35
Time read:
1h55
